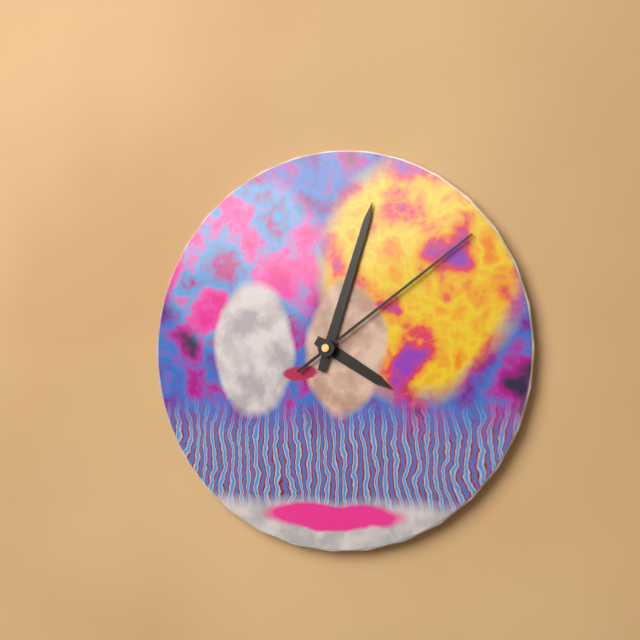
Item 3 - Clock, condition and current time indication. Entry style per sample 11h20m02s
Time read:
4h03m09s
